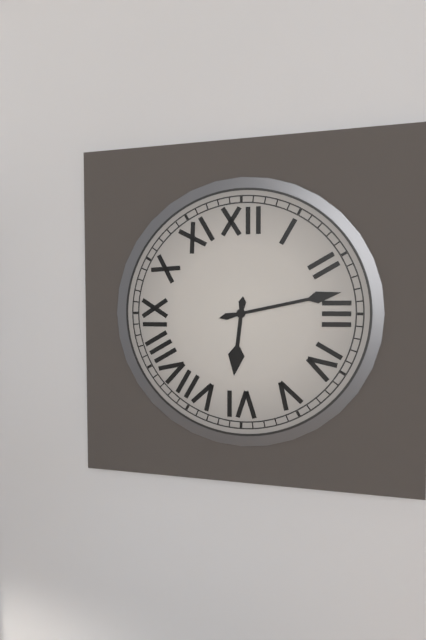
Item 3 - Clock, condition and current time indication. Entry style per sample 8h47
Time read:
6h13
